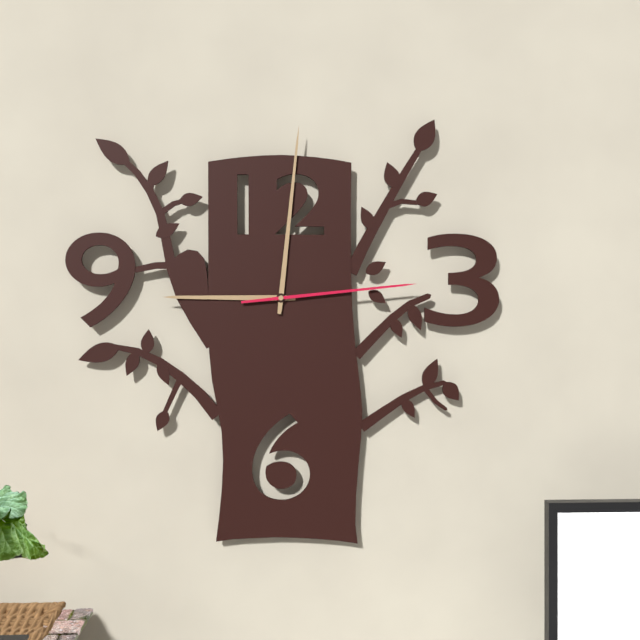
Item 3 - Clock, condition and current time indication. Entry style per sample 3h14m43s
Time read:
9h01m14s
